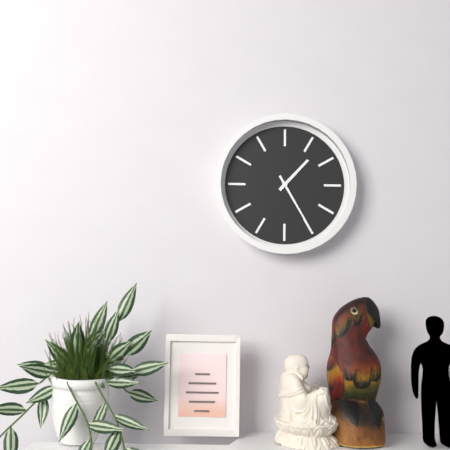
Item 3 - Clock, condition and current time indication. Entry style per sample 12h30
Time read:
1h25
